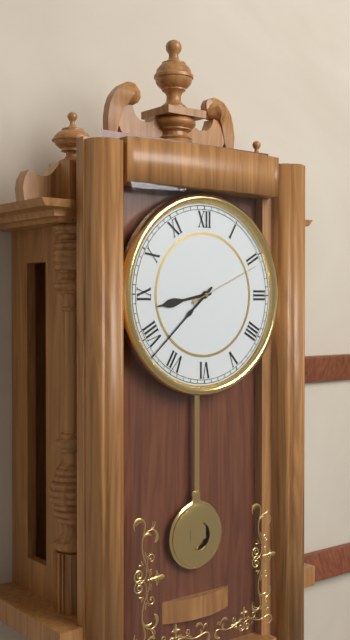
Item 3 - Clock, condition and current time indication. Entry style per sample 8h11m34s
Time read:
8h38m11s
